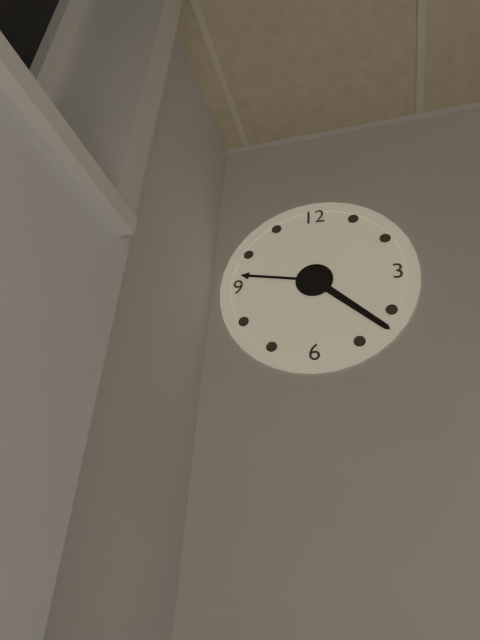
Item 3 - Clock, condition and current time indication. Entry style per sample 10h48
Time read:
9h22
